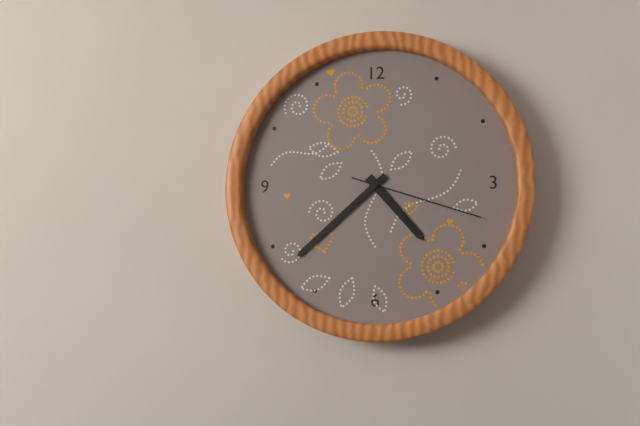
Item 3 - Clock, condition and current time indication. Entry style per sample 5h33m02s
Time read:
4h38m18s
